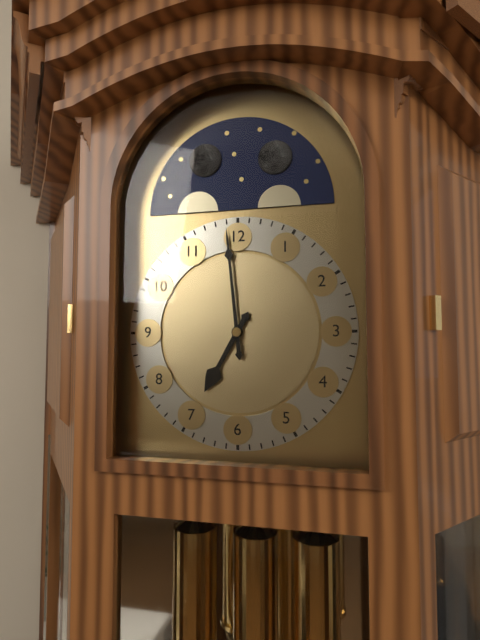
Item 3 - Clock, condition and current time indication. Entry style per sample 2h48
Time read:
6h59
